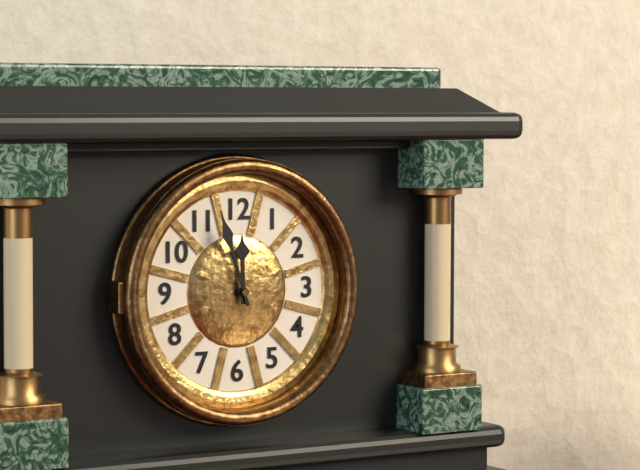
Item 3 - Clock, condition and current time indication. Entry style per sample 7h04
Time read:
11h57
